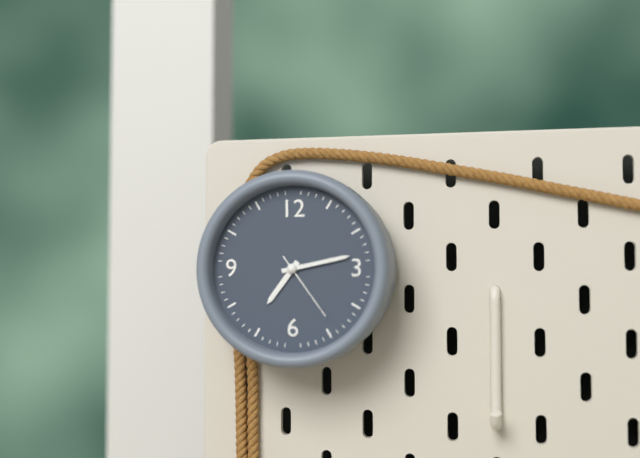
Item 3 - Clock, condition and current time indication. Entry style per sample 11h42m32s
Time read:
7h13m24s
